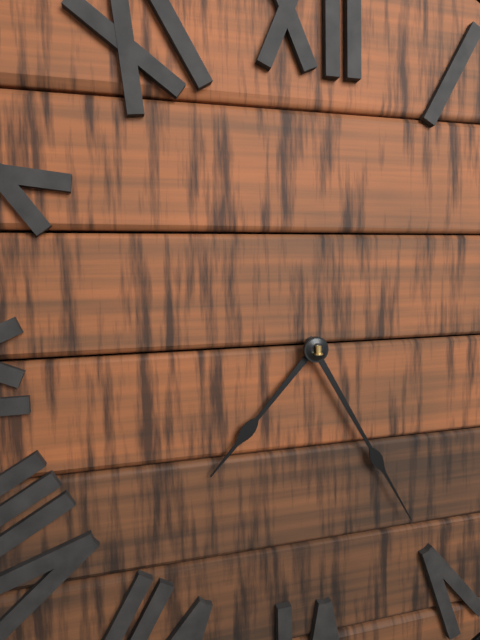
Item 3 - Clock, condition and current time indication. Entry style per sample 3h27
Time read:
7h25
